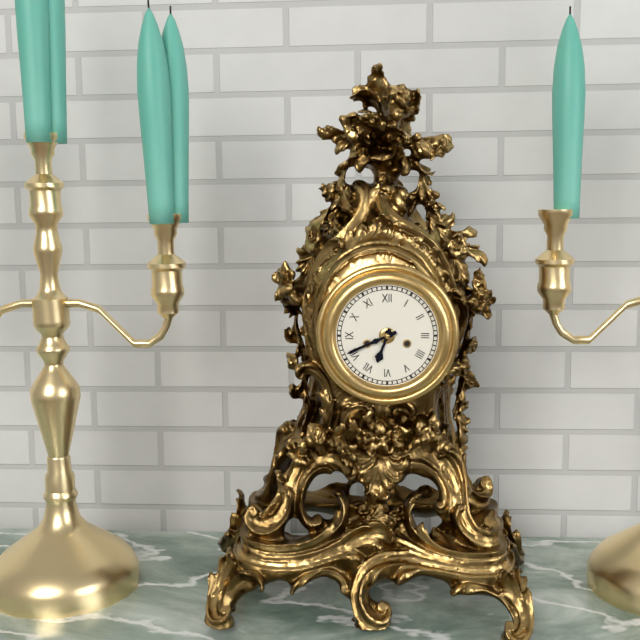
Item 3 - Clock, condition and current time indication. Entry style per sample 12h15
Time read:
6h41
